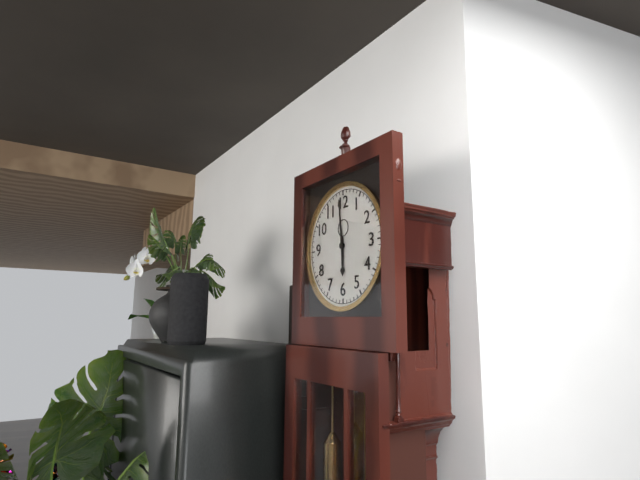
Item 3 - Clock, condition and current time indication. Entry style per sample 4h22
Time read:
5h59
